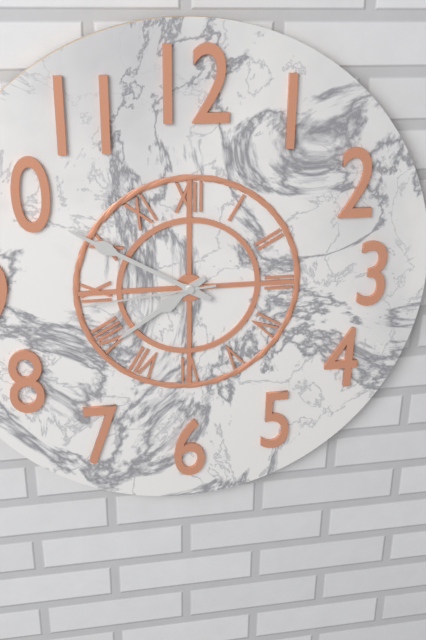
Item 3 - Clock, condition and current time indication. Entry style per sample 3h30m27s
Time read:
7h50m44s
